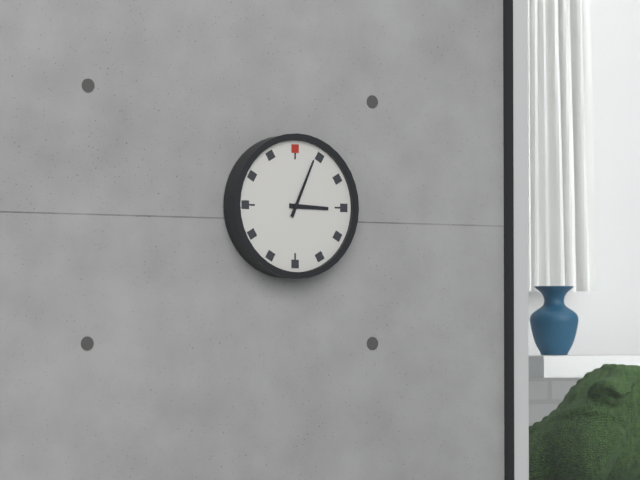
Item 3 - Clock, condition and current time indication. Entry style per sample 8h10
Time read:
3h04
